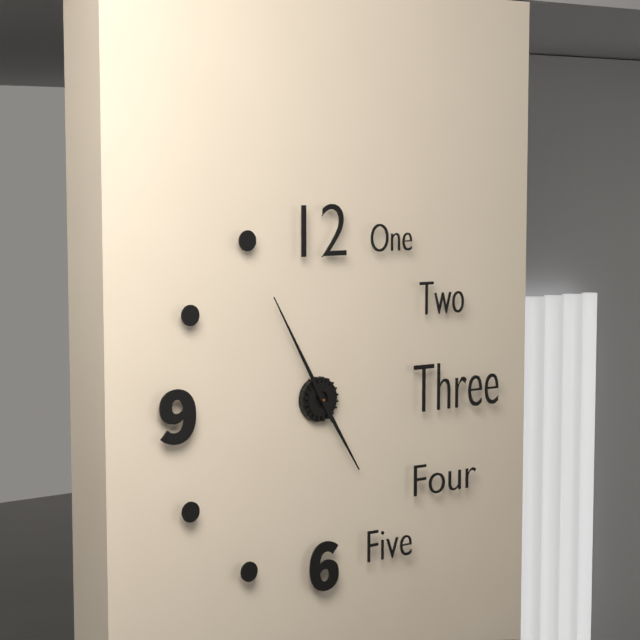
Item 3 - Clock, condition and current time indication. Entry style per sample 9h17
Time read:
4h55
